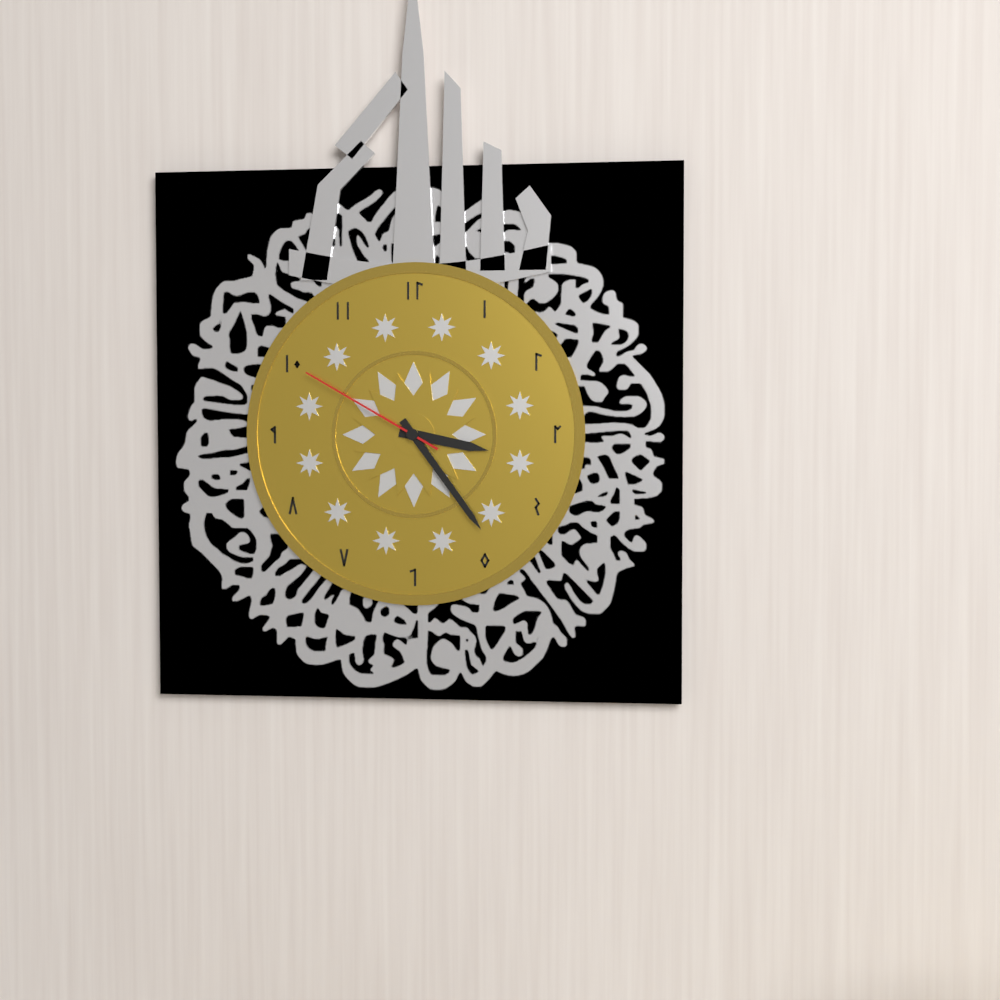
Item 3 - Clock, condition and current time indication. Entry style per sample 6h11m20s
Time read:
3h24m50s
